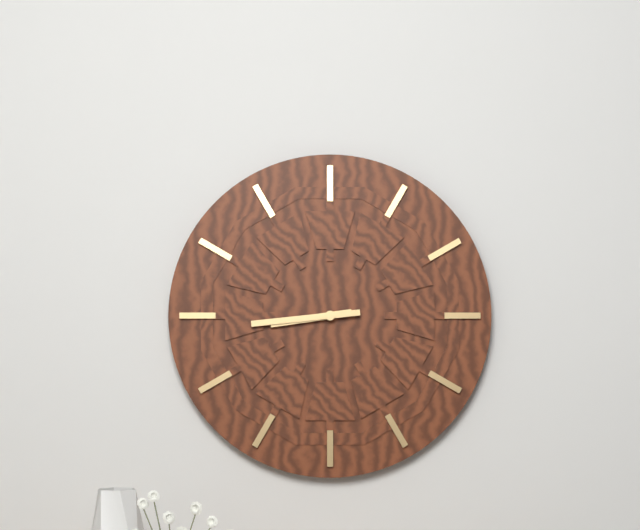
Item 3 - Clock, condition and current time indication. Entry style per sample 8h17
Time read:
8h44
